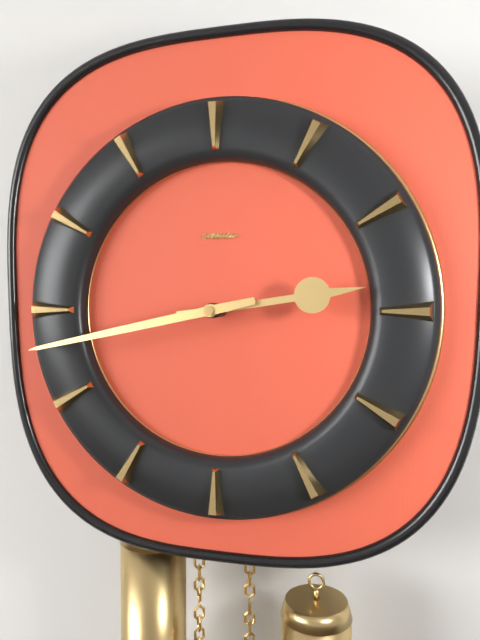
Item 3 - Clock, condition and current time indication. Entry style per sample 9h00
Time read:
2h43
